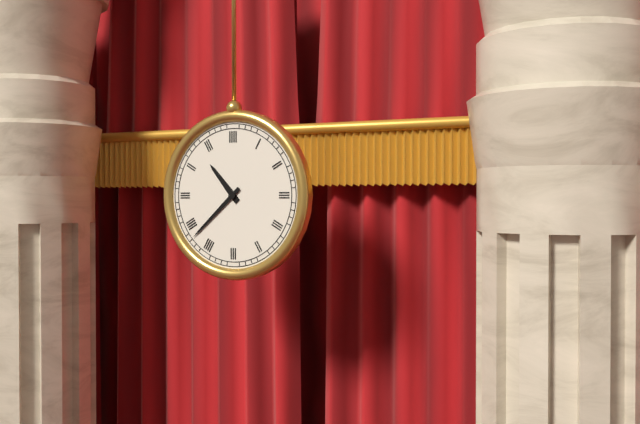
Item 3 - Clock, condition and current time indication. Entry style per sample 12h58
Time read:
10h38
